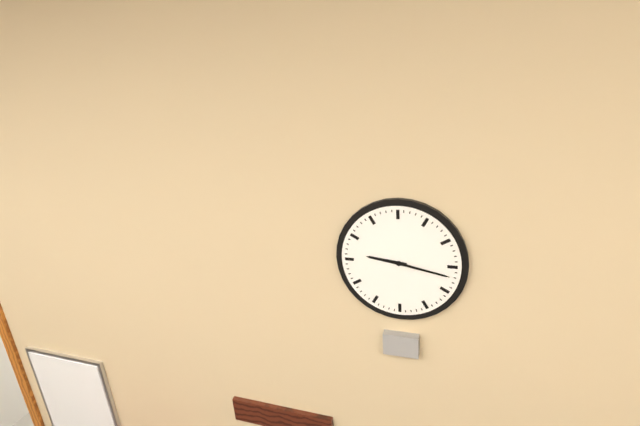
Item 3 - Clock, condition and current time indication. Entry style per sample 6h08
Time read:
9h17
